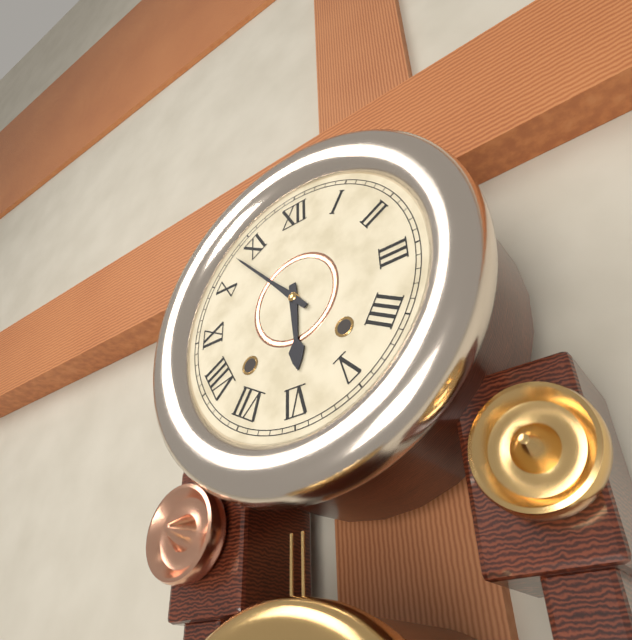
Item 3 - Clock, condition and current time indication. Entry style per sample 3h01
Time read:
5h53
